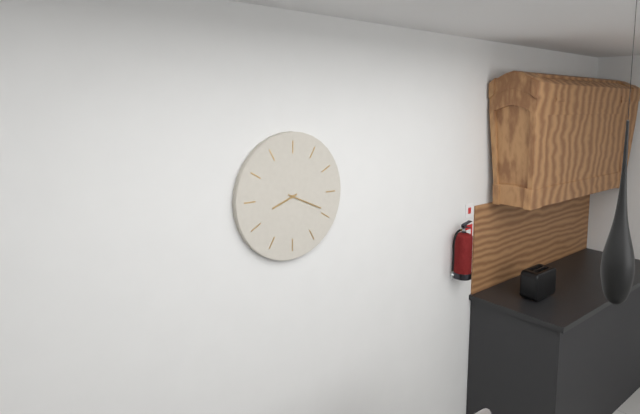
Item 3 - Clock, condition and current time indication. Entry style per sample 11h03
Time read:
8h19
